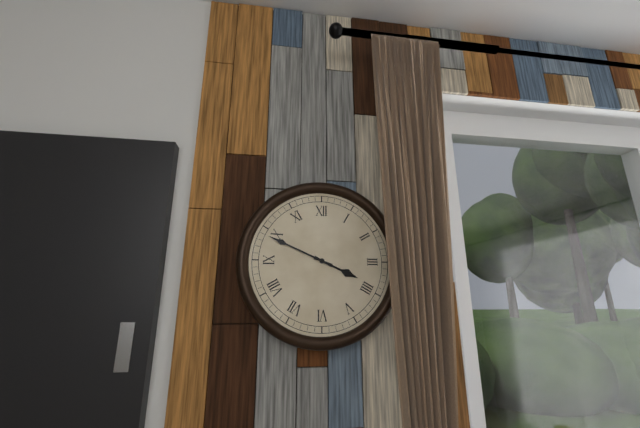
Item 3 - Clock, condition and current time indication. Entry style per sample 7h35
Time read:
3h49
